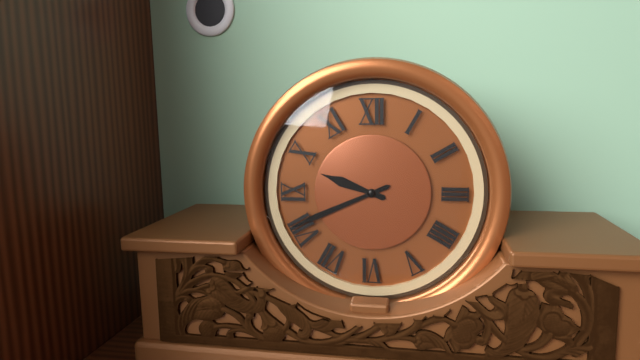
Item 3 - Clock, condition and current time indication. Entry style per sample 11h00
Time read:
9h41
